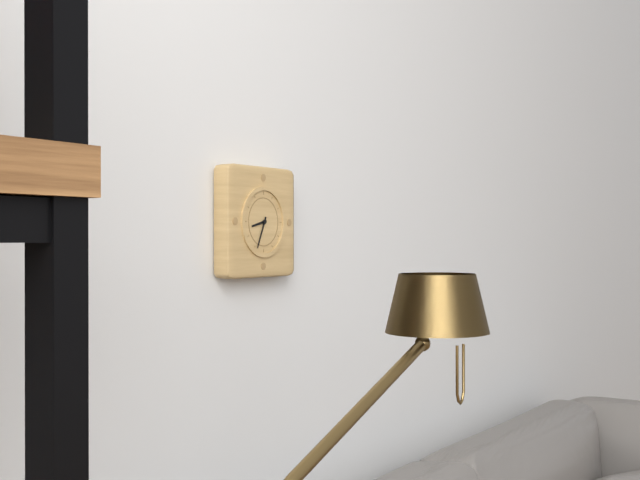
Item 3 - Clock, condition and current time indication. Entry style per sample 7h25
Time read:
8h34
